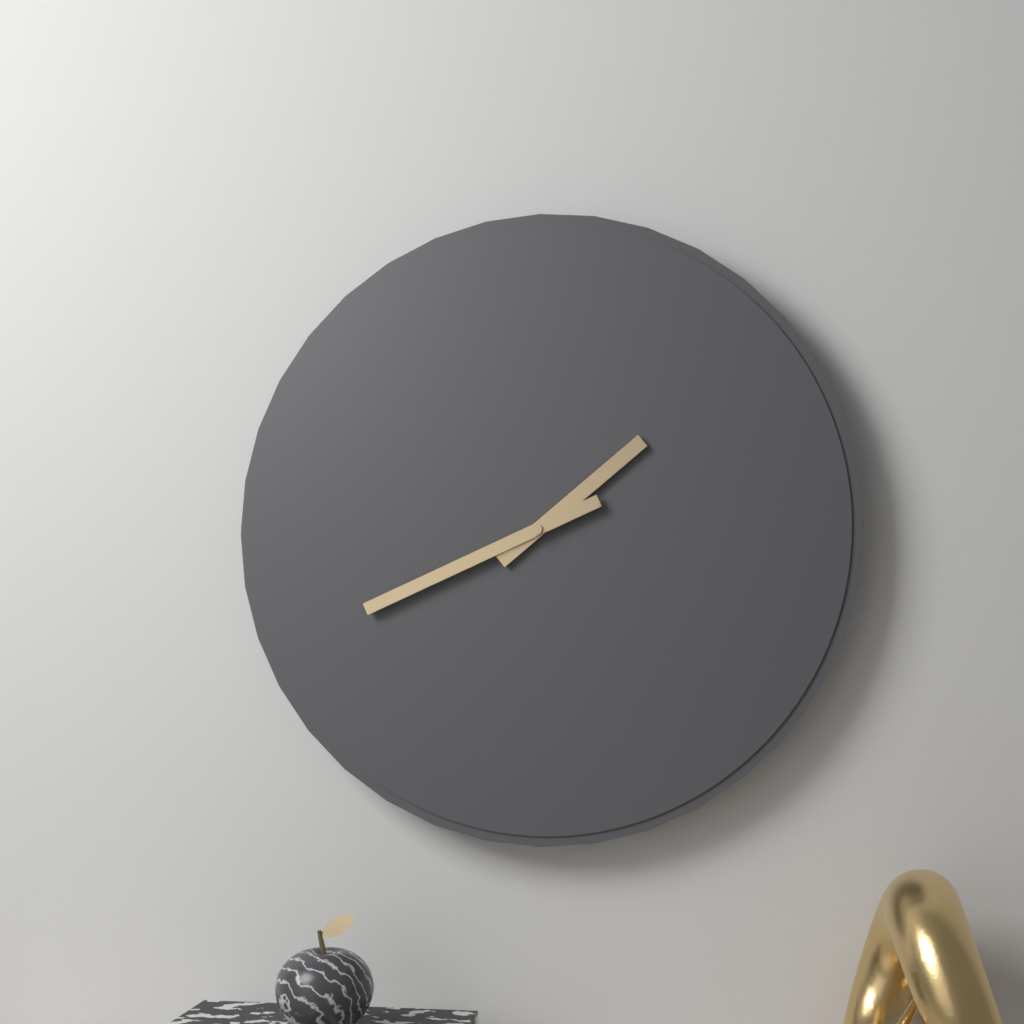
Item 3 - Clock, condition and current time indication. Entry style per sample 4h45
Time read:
1h41
